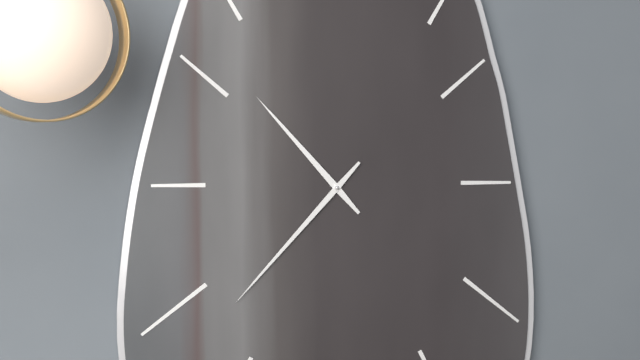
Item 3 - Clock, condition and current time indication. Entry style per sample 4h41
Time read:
10h37
